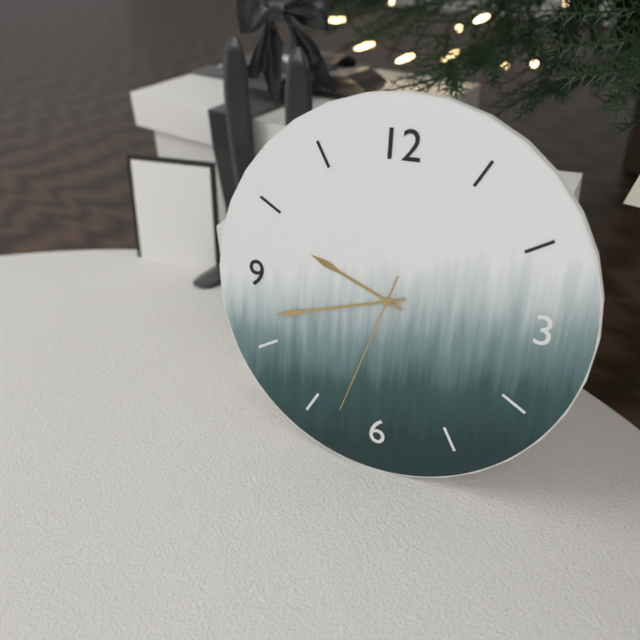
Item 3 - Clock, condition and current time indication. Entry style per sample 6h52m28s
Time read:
9h42m33s
